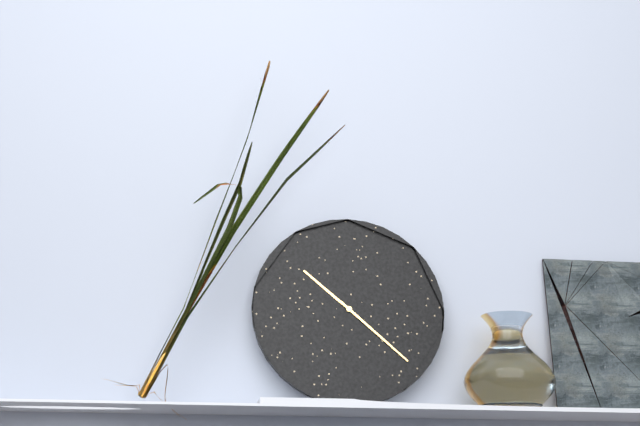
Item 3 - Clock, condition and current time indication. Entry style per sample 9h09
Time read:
10h22
